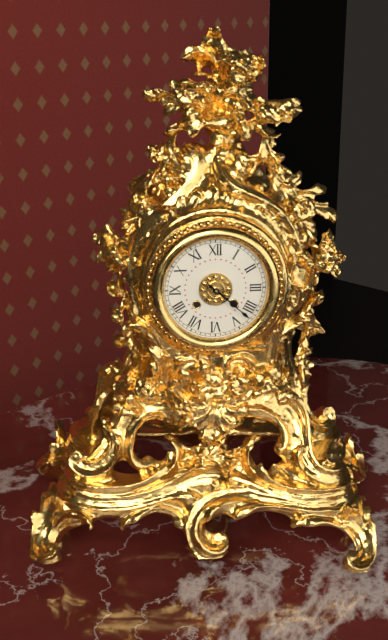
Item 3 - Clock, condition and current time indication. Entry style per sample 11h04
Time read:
4h22
